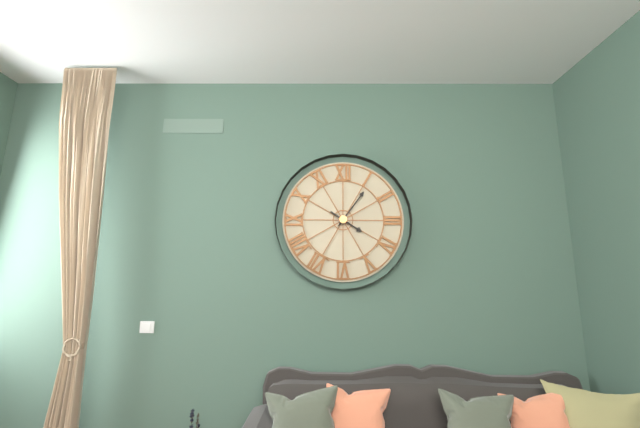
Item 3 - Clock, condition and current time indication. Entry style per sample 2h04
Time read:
4h06
